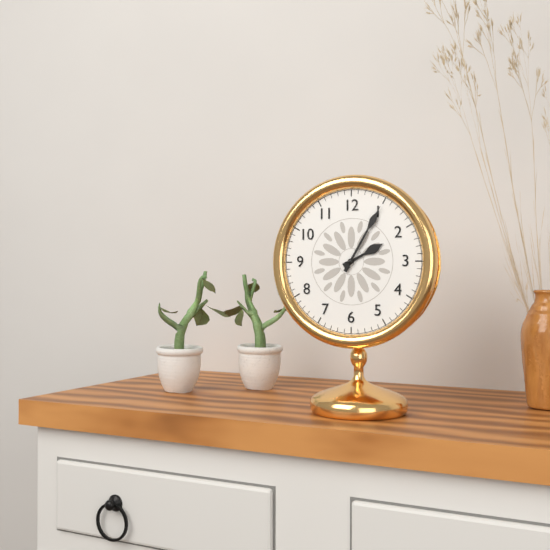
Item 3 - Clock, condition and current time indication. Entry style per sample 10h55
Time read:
2h05
